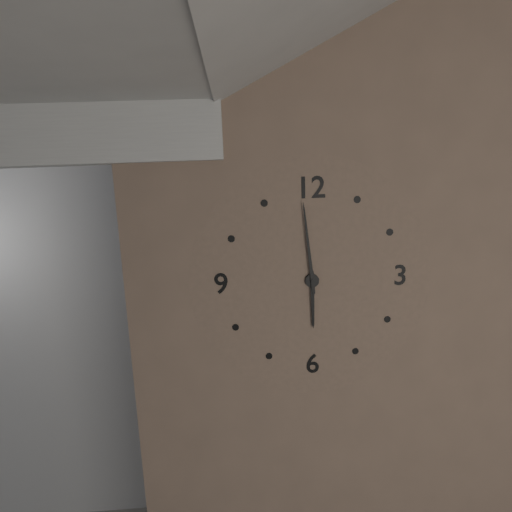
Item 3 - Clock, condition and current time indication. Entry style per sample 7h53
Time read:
5h59
